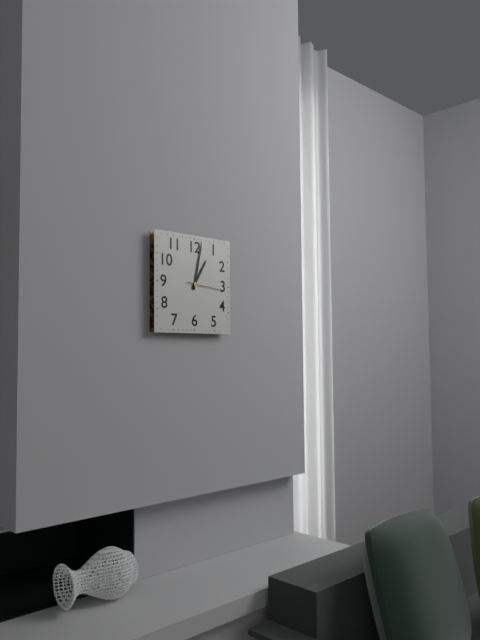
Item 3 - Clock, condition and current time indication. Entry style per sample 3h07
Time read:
1h02
